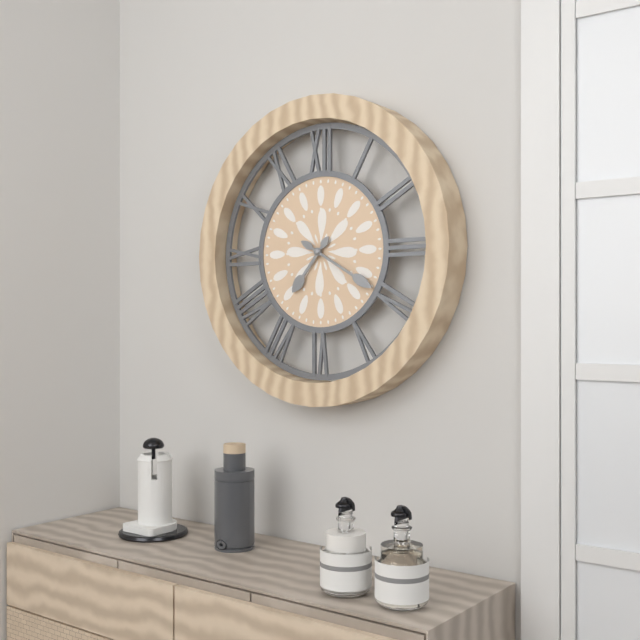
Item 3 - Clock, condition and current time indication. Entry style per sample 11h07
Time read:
7h20
